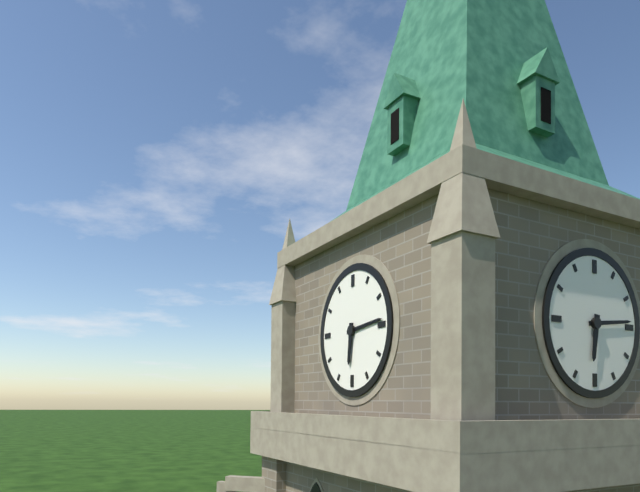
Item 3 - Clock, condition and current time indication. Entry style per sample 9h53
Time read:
6h14
